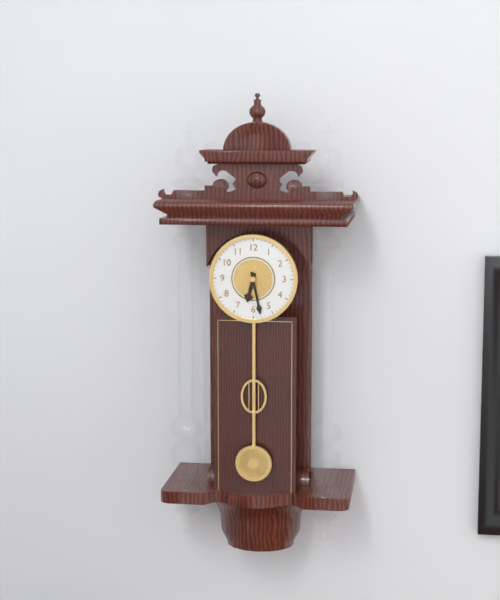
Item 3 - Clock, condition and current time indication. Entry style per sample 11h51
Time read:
6h28
